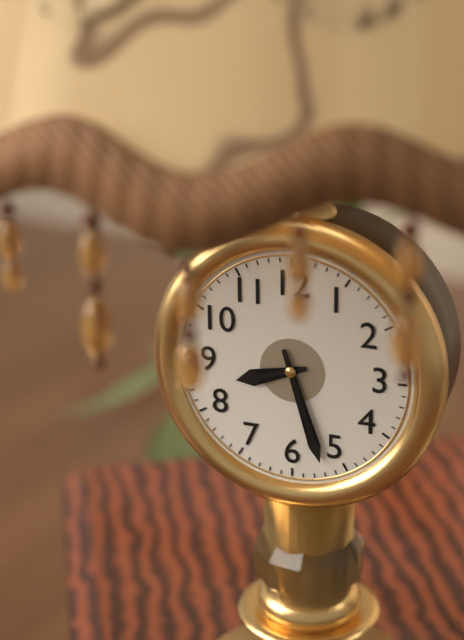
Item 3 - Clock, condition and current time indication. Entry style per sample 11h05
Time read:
8h27
